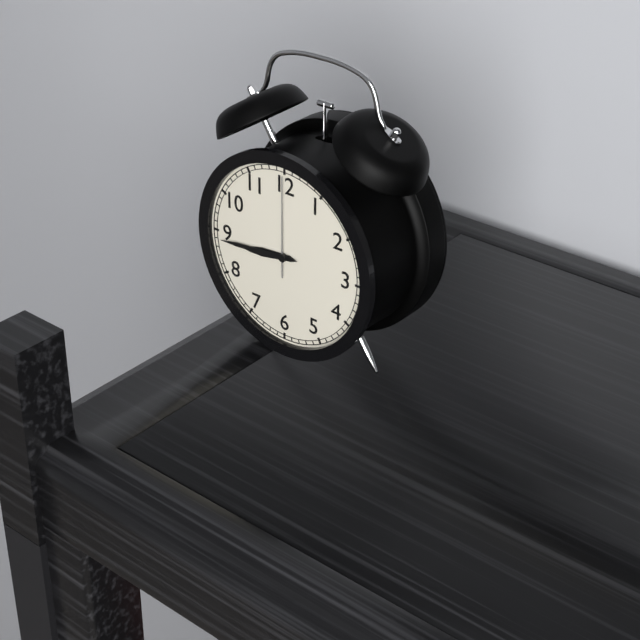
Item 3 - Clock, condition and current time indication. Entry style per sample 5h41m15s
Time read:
8h44m00s
